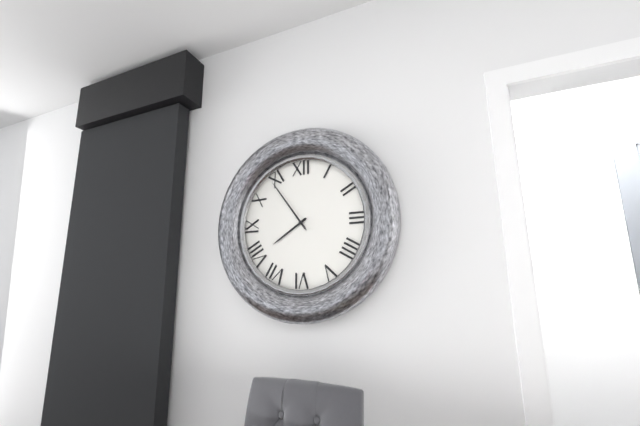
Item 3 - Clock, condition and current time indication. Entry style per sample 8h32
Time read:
7h54
